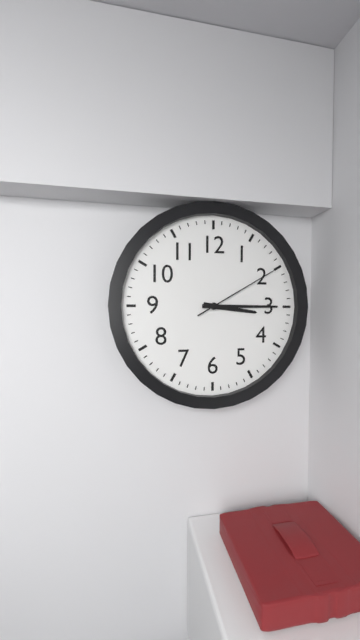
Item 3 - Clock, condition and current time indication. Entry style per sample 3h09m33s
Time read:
3h15m10s
